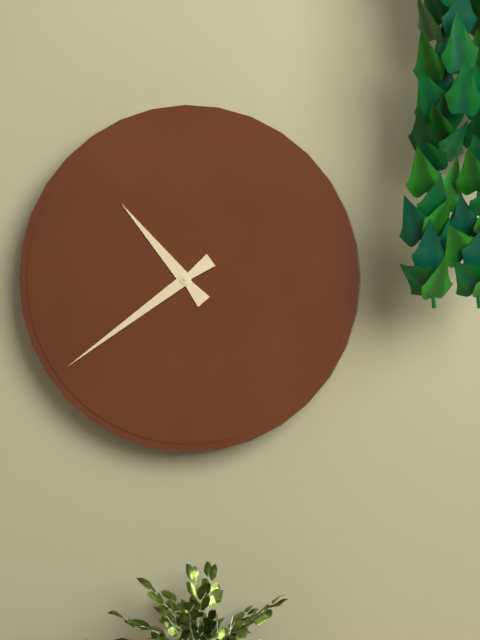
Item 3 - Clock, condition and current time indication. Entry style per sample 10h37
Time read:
10h39
